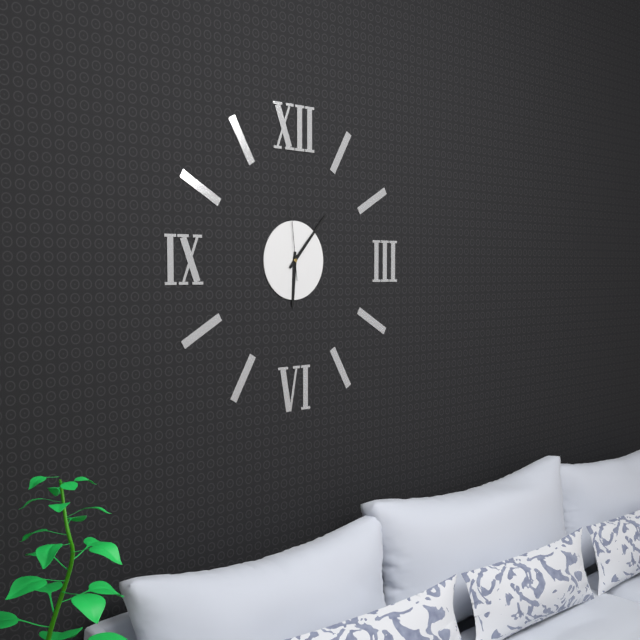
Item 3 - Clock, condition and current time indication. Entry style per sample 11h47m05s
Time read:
6h07m59s
